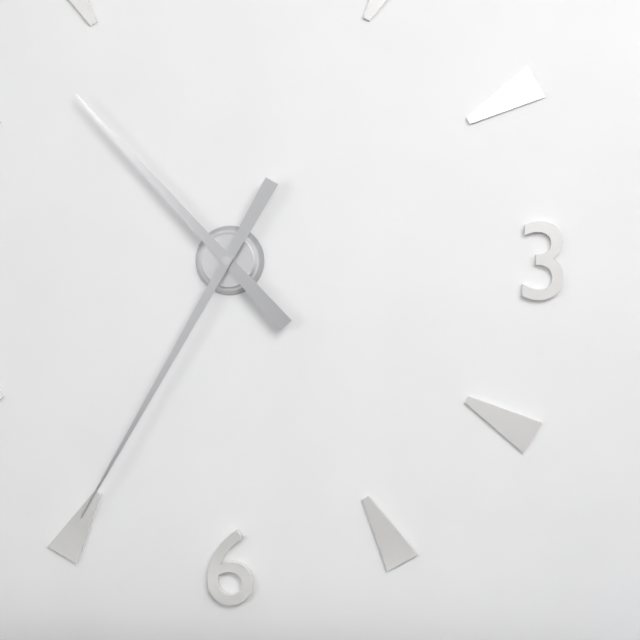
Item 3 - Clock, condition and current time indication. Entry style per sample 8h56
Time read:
10h35
